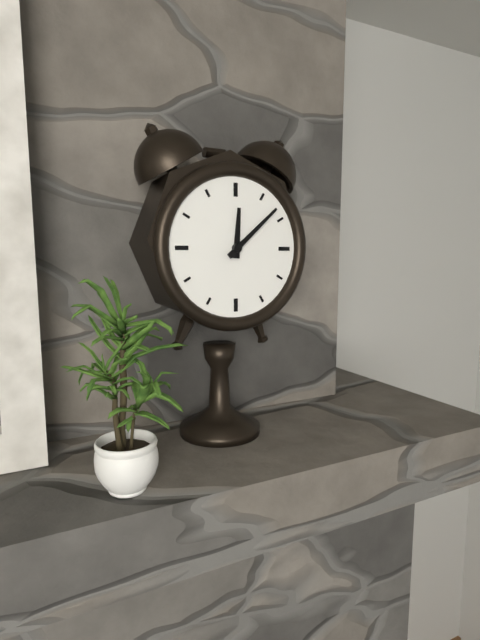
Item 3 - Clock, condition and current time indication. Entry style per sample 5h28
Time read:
12h08
